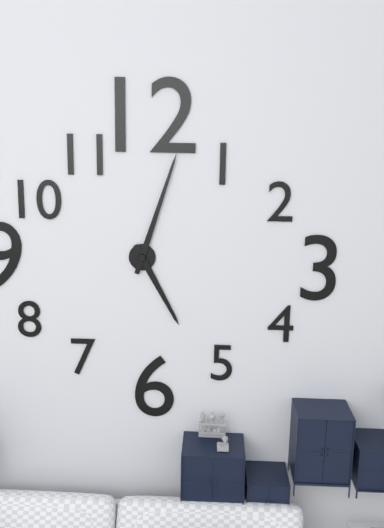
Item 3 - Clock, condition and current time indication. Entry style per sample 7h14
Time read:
5h03
